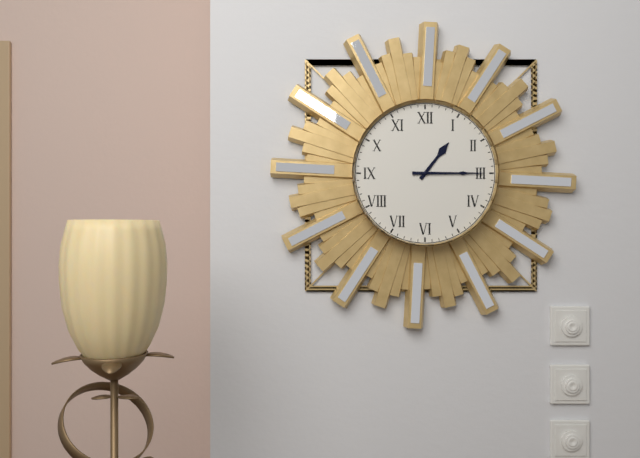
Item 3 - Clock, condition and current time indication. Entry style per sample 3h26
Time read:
1h15
